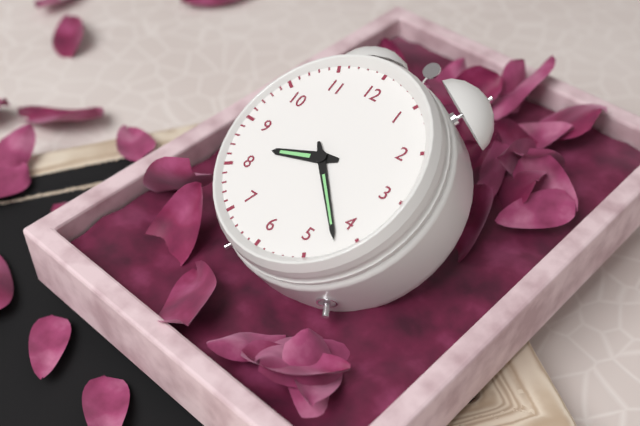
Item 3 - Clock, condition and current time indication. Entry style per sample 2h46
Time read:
8h22
